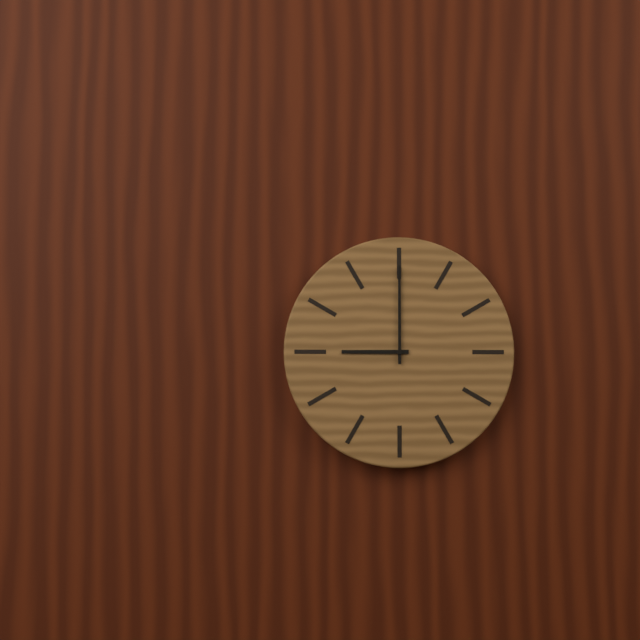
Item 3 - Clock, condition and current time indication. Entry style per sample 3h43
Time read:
9h00
